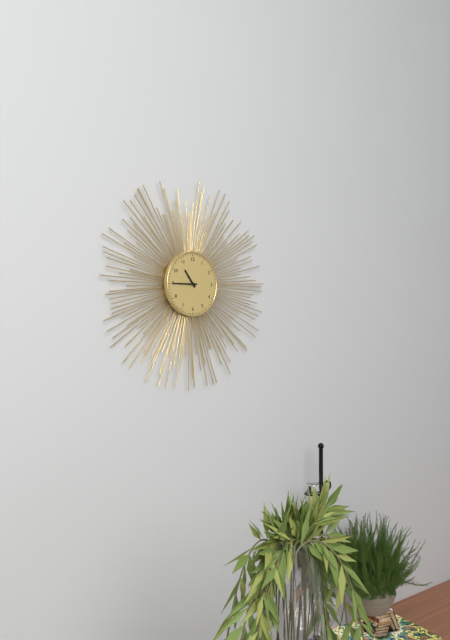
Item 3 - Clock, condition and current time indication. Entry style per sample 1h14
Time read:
10h45
